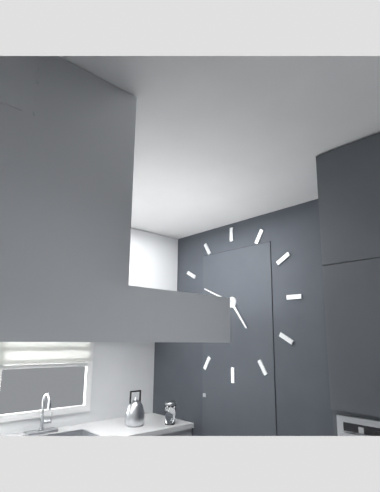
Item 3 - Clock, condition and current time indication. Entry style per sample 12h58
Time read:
4h49
